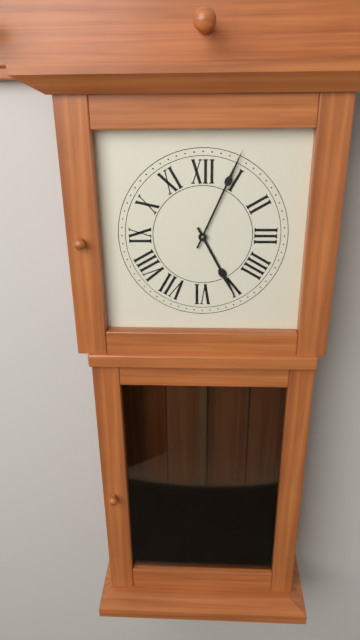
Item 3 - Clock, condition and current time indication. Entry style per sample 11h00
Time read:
5h04
